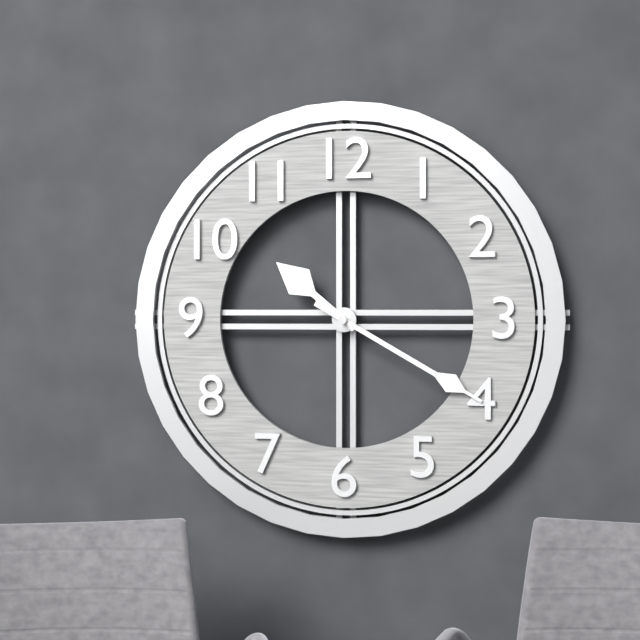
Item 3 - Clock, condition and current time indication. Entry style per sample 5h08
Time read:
10h20
